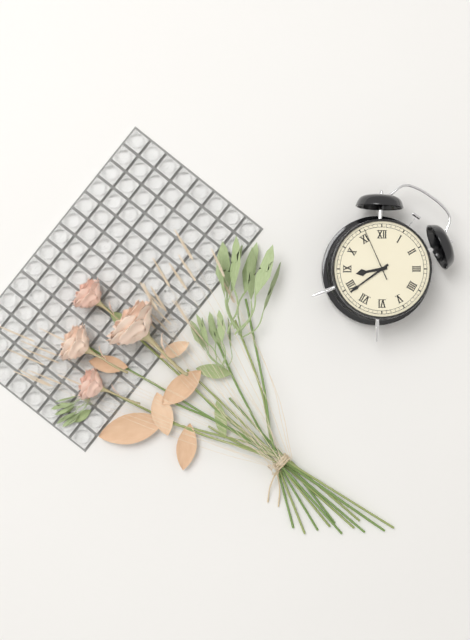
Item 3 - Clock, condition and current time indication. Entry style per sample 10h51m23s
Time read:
8h39m56s
